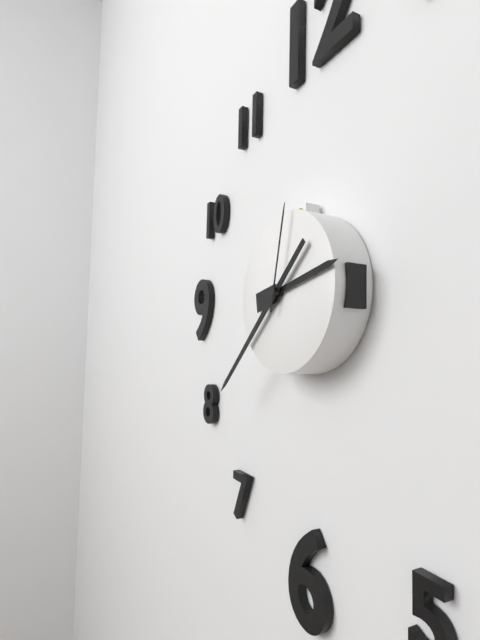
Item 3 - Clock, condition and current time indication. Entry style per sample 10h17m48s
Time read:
2h38m02s
